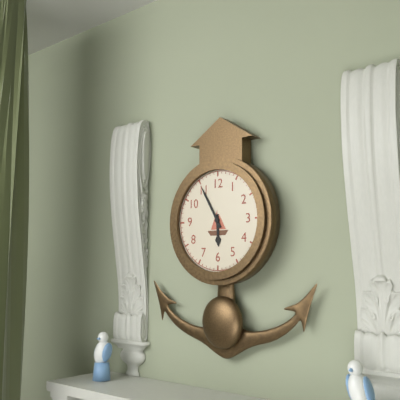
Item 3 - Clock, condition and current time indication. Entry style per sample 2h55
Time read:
5h55
